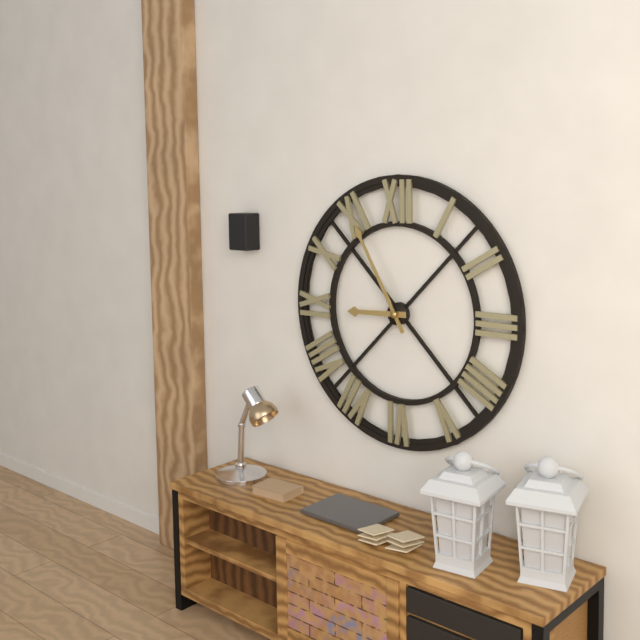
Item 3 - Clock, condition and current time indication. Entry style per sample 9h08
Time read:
8h55
